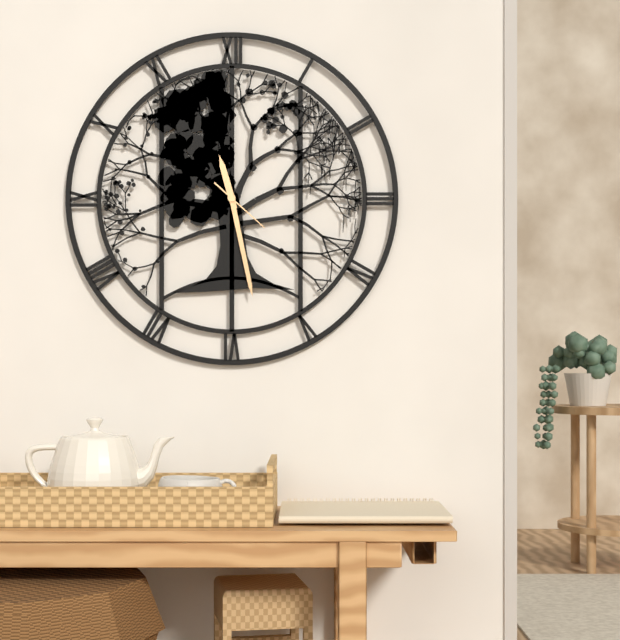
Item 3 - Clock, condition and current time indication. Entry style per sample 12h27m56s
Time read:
11h28m22s
